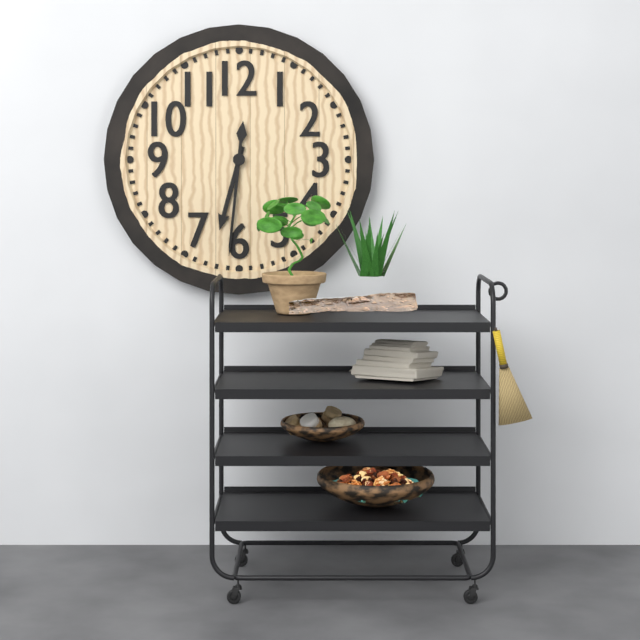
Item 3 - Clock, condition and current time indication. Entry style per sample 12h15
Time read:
6h31
